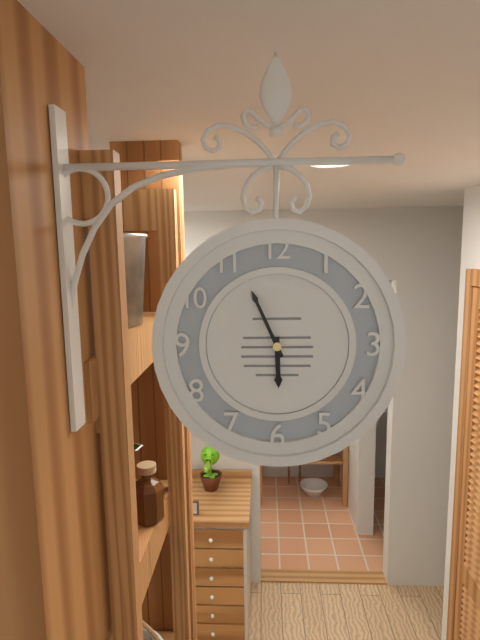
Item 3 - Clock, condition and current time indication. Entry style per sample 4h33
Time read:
5h56
